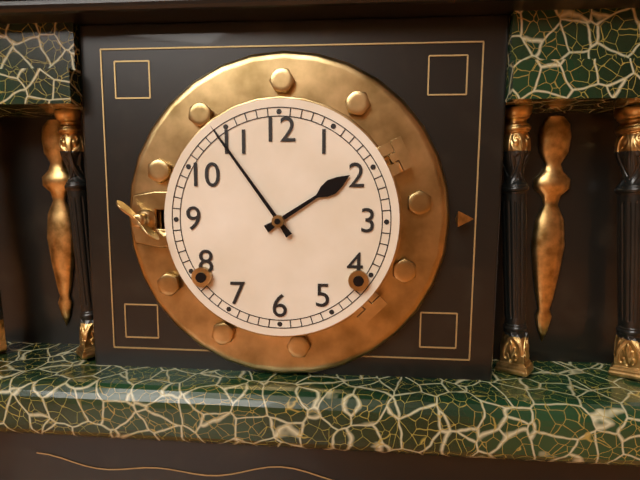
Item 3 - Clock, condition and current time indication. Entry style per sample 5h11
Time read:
1h54
